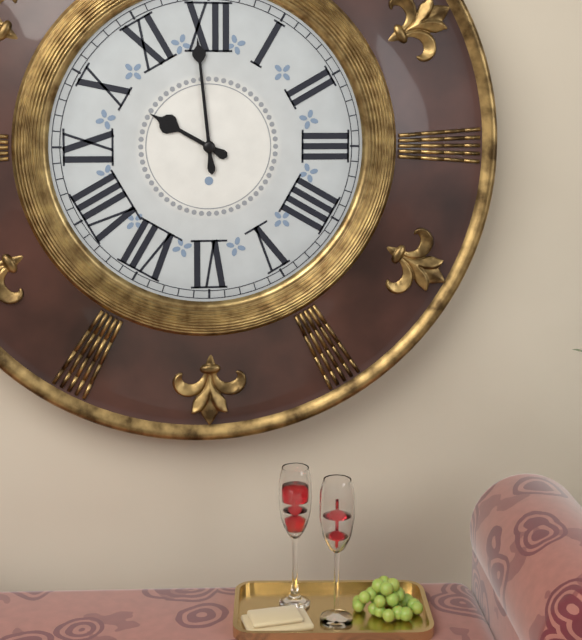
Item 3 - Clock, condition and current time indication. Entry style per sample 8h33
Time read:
9h59
